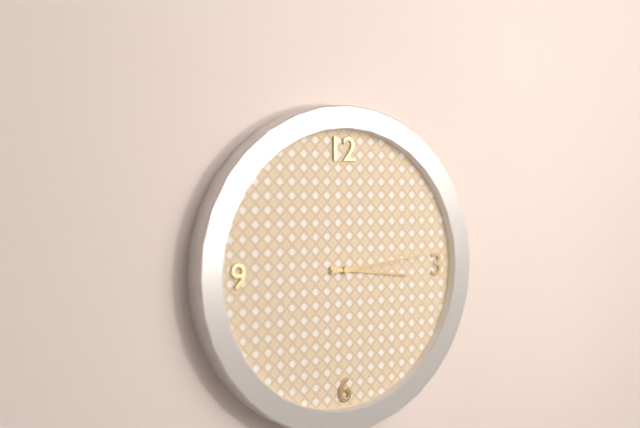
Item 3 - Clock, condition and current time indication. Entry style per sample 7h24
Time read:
3h14
